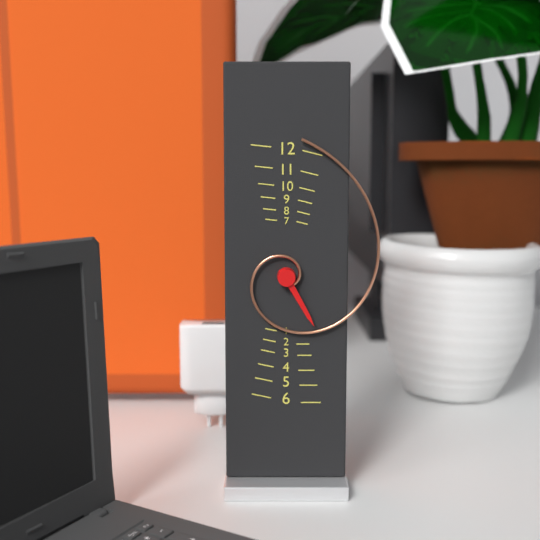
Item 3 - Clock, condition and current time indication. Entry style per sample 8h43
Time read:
5h01
